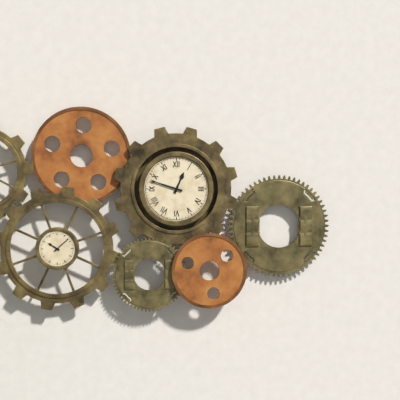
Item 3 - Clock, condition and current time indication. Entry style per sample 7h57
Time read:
12h48
